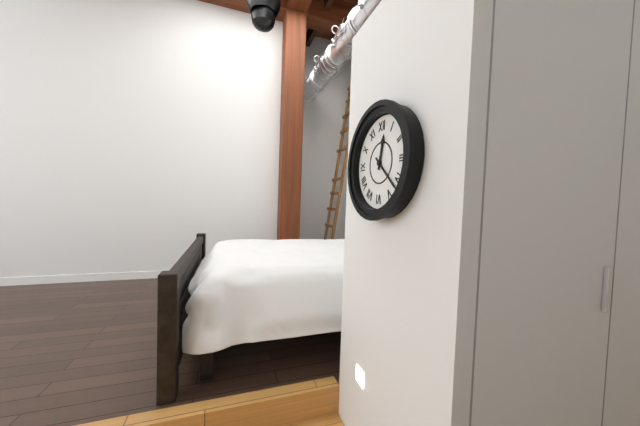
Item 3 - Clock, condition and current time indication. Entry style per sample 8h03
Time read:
12h22
